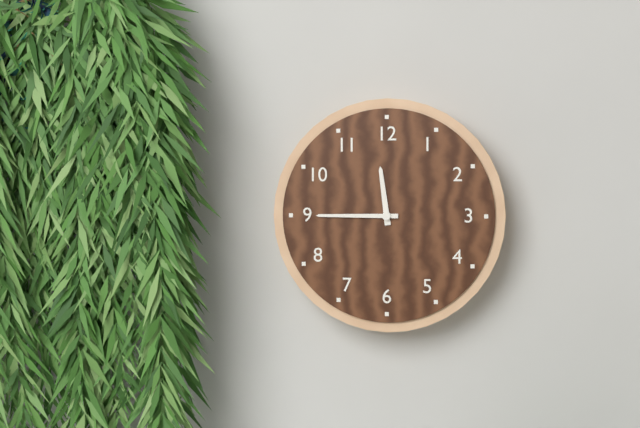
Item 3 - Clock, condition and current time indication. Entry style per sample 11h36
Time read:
11h45
